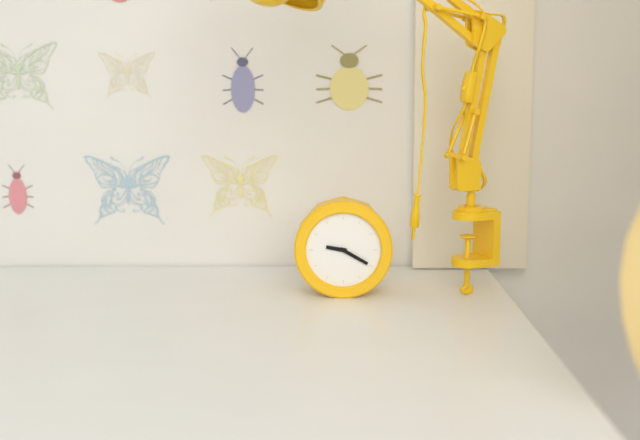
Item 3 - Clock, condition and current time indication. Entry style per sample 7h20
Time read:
9h20
